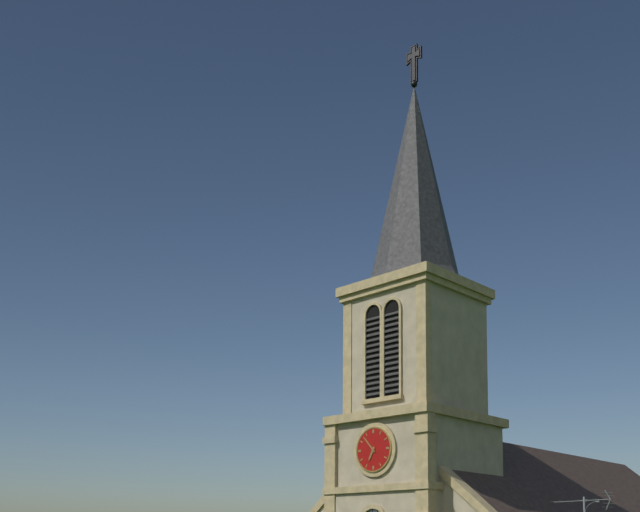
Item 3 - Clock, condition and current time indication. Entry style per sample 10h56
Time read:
6h53
